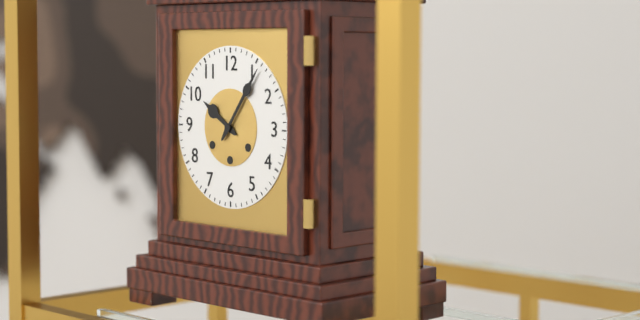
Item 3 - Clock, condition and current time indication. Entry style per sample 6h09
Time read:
10h06
